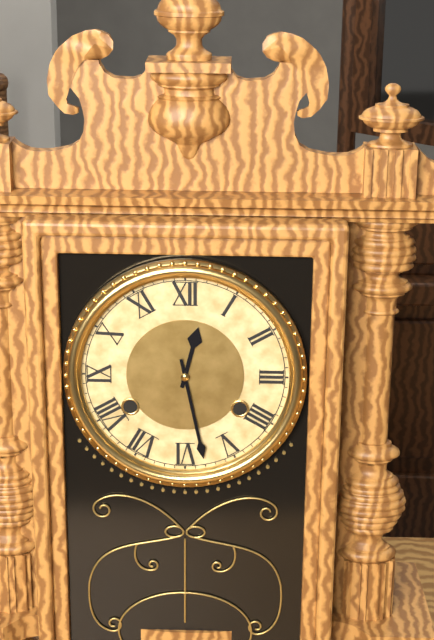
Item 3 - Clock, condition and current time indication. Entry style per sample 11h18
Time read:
12h28
